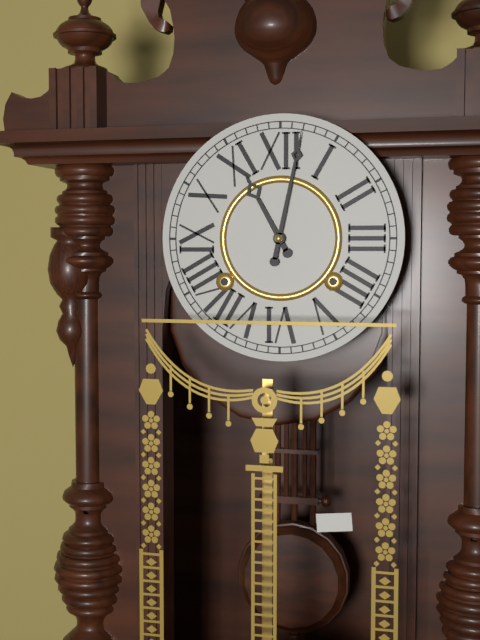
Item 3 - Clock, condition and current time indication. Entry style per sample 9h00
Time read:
11h02
